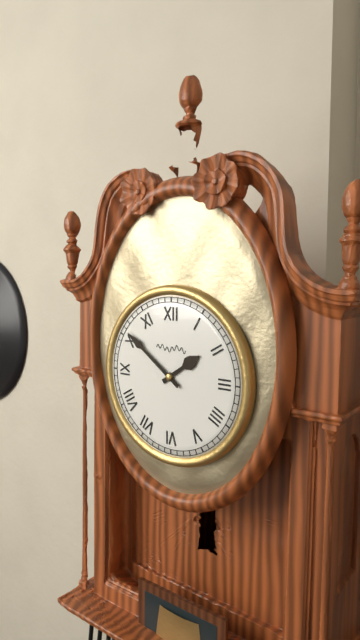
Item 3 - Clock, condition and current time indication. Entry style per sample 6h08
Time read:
1h51
